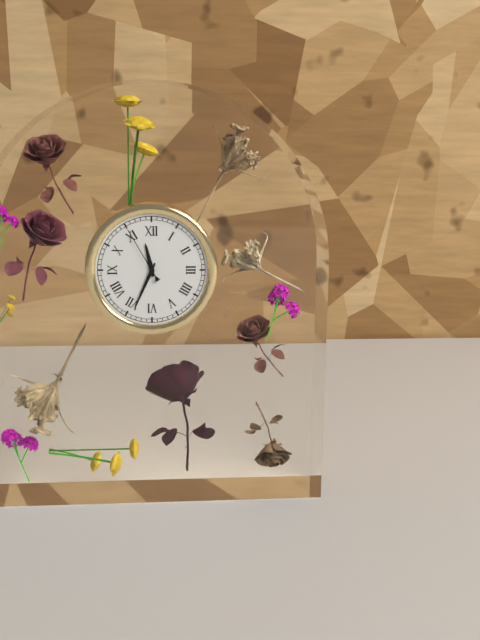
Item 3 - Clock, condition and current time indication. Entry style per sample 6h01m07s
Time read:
11h34m55s
